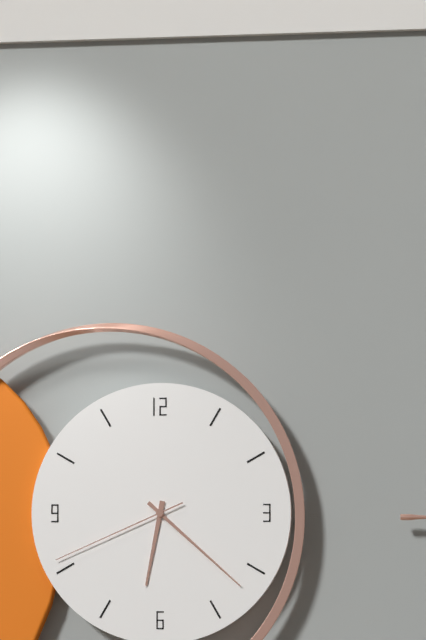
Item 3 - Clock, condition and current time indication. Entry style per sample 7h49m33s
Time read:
6h22m41s
